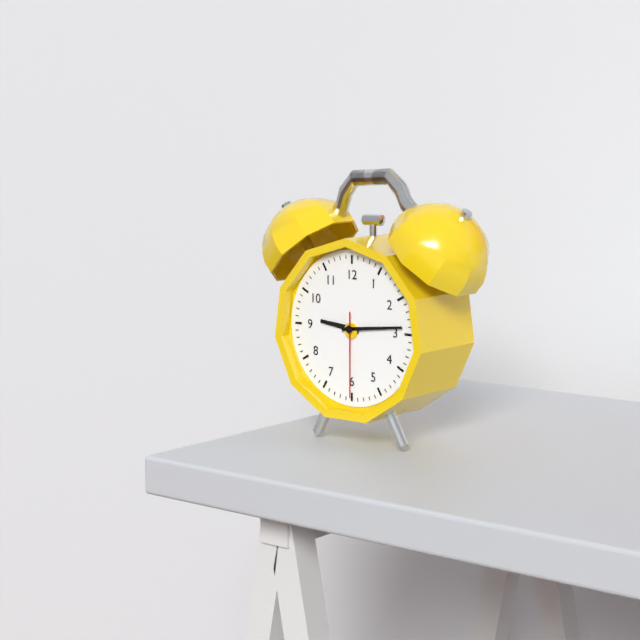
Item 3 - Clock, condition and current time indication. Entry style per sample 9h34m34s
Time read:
9h14m30s
